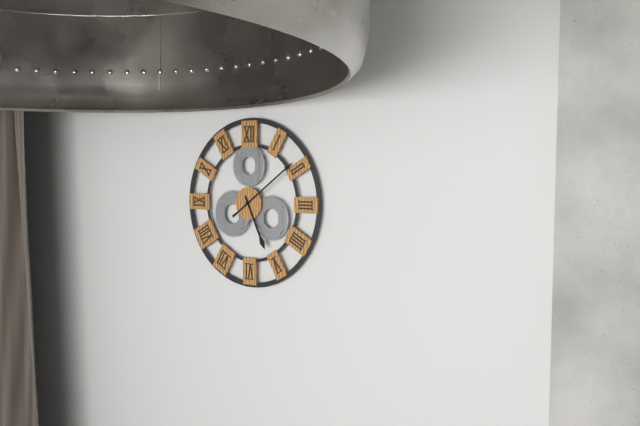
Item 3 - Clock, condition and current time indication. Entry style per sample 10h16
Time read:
5h09
